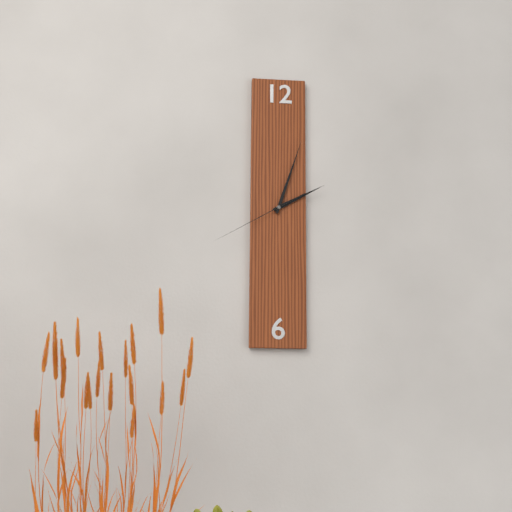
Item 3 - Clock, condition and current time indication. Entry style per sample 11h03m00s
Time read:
2h03m40s
